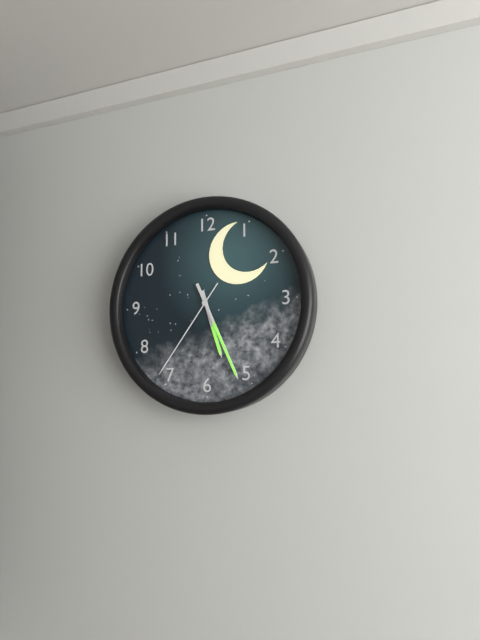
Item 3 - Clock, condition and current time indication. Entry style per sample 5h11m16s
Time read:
5h26m36s
